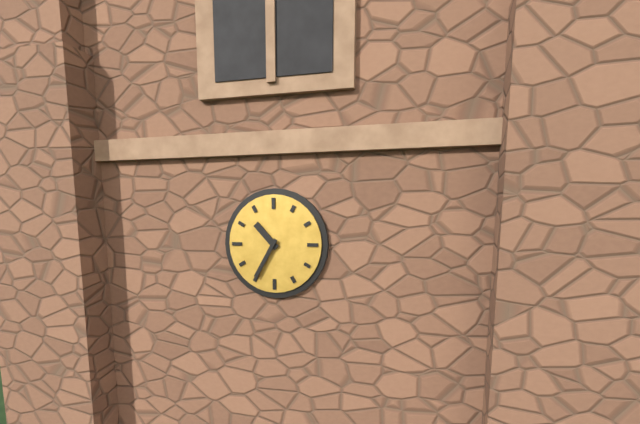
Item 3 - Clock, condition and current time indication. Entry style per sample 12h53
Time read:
10h35
